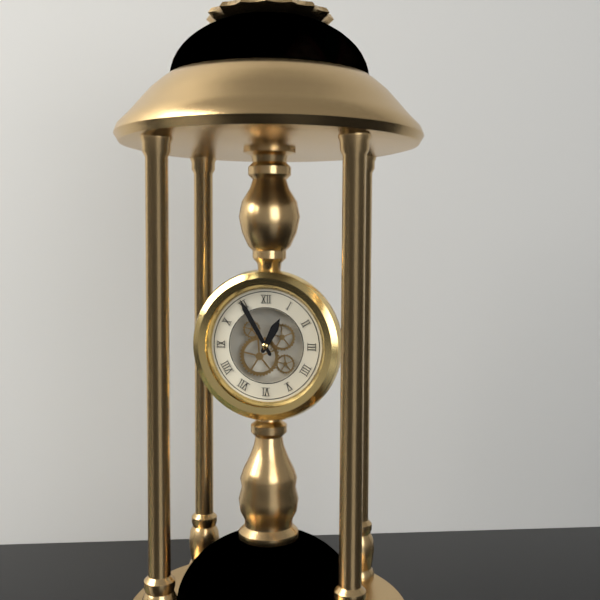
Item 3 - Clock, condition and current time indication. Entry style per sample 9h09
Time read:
12h55
